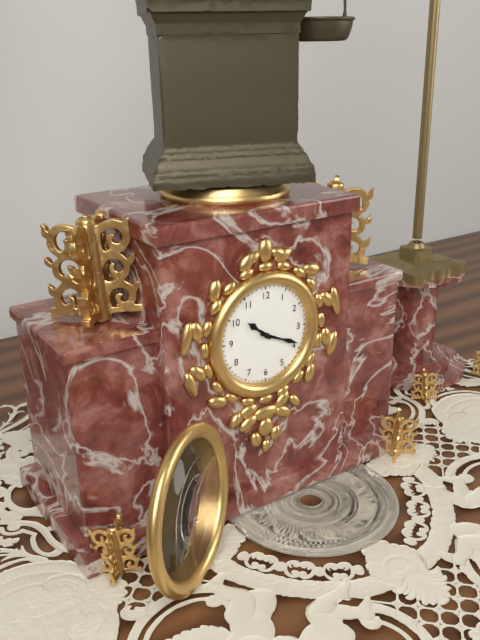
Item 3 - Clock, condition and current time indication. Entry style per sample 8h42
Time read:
10h19
